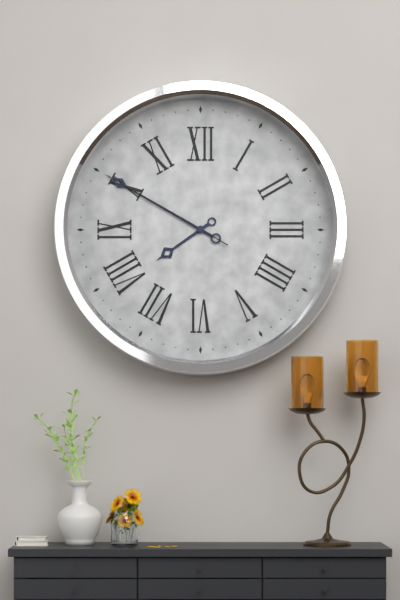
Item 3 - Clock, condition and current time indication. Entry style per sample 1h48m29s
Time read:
7h50m50s
